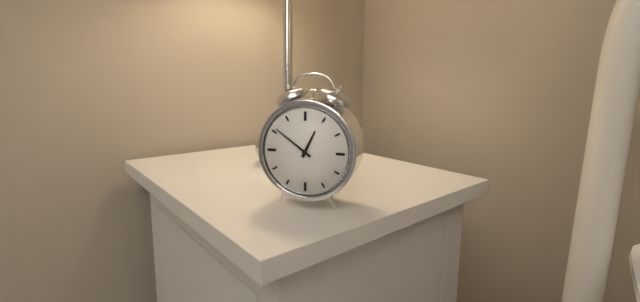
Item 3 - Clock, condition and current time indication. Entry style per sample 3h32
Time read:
12h51
